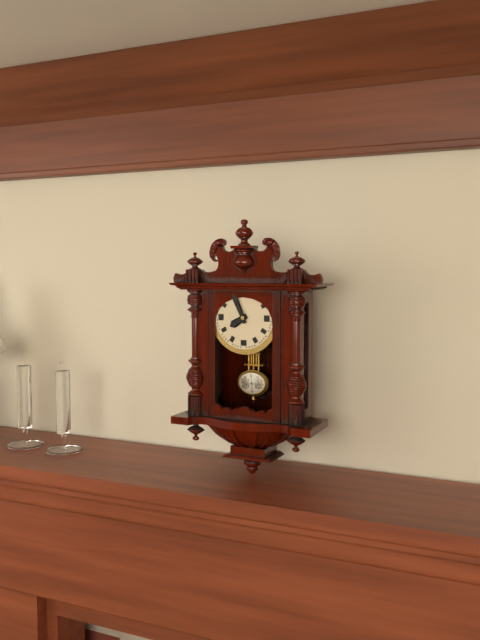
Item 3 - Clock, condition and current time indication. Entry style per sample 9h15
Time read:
7h56
